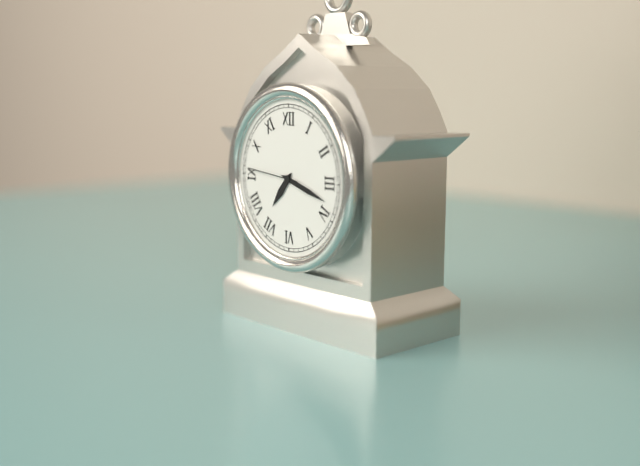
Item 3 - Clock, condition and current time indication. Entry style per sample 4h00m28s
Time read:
7h18m46s
